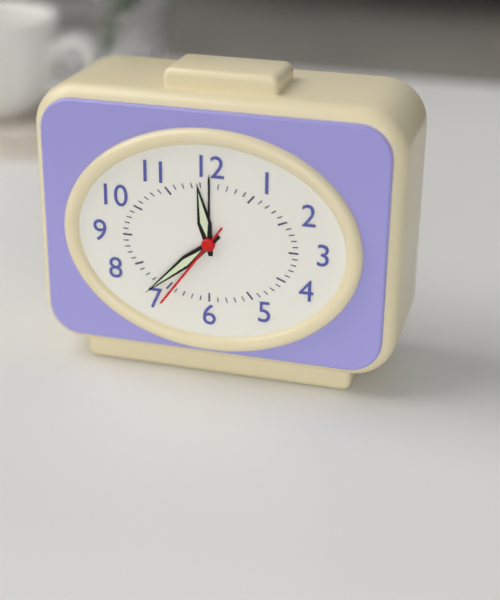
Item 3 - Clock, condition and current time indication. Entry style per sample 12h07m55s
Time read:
11h38m36s
